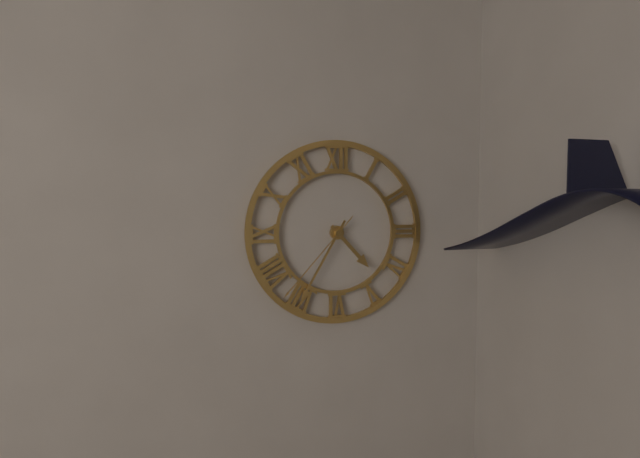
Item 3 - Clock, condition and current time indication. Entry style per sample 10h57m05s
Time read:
4h35m37s
